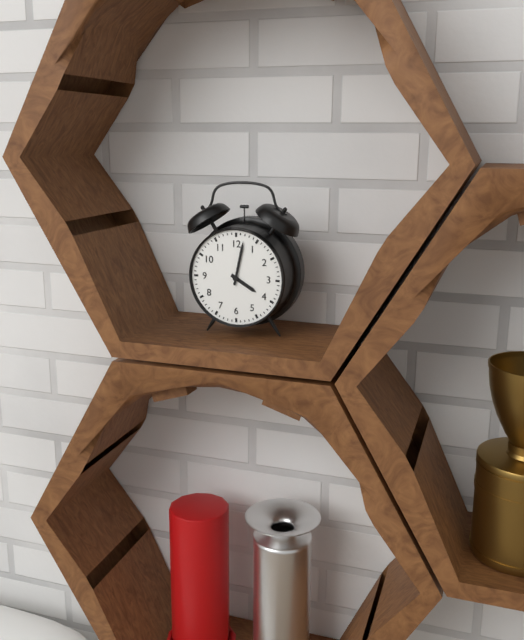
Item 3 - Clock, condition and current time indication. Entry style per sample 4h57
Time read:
4h02
